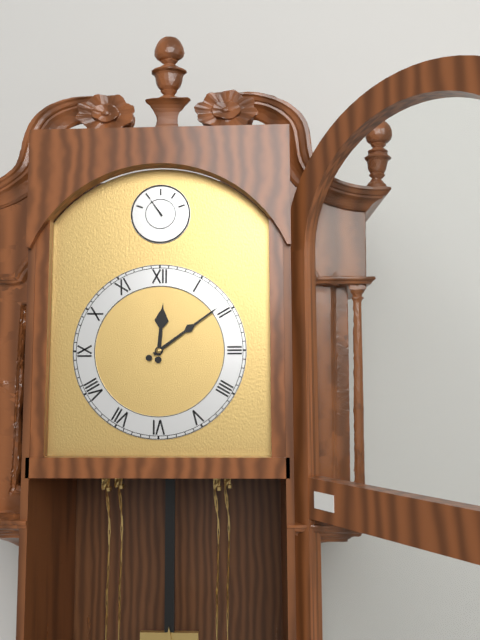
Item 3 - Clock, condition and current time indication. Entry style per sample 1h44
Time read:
12h09
